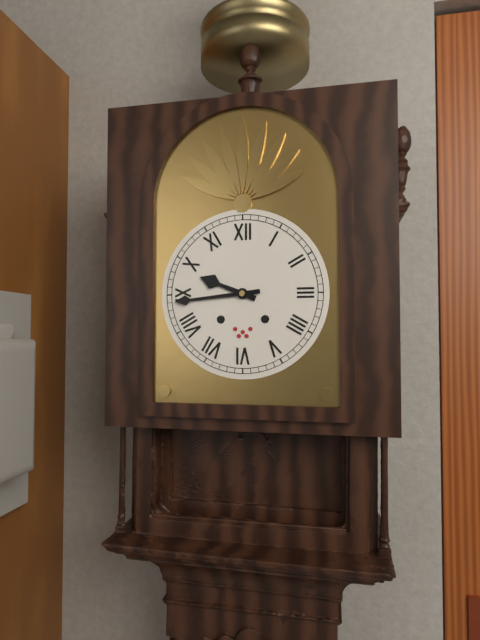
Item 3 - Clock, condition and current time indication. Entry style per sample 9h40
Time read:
9h44
